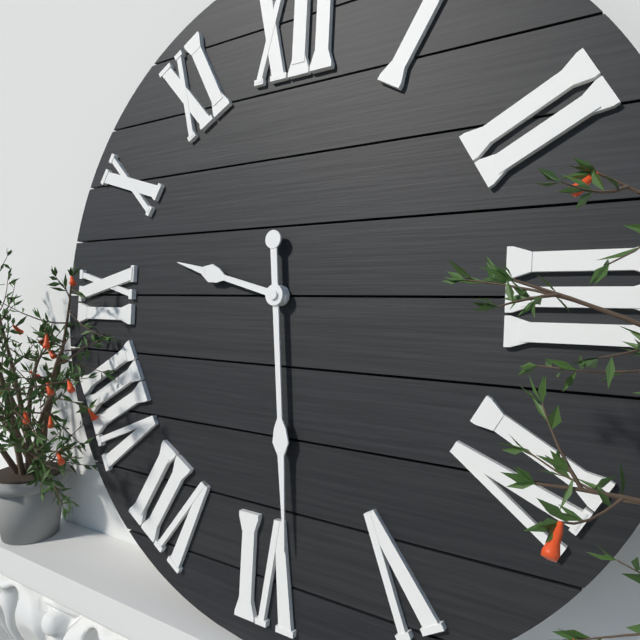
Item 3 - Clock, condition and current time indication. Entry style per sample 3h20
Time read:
9h29
